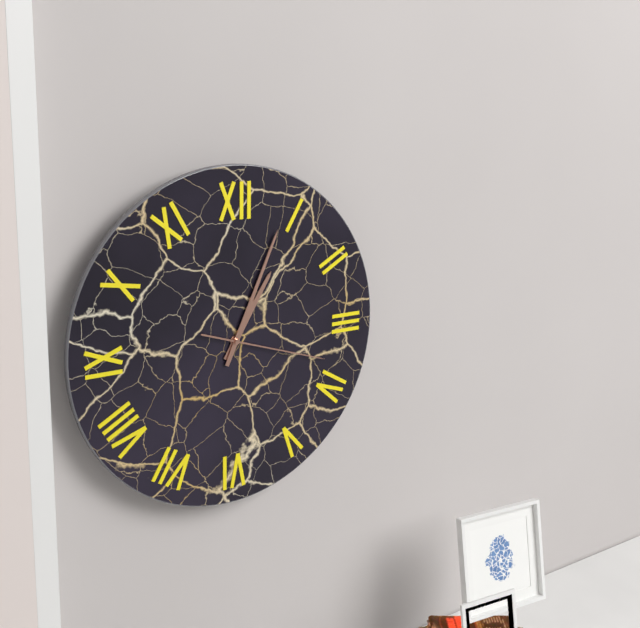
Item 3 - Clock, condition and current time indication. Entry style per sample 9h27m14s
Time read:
1h04m18s
